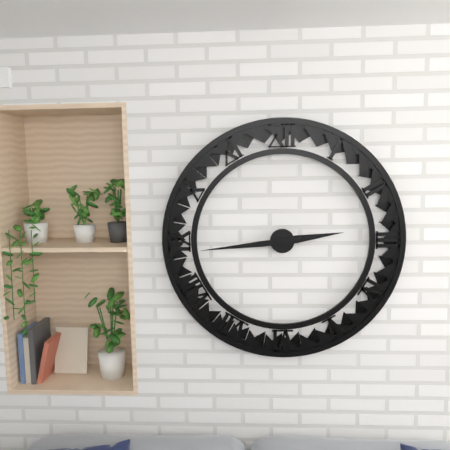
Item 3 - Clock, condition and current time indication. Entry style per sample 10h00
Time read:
2h44
